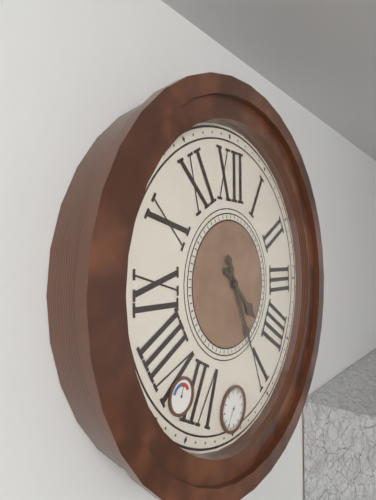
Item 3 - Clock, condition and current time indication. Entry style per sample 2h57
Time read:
4h26
